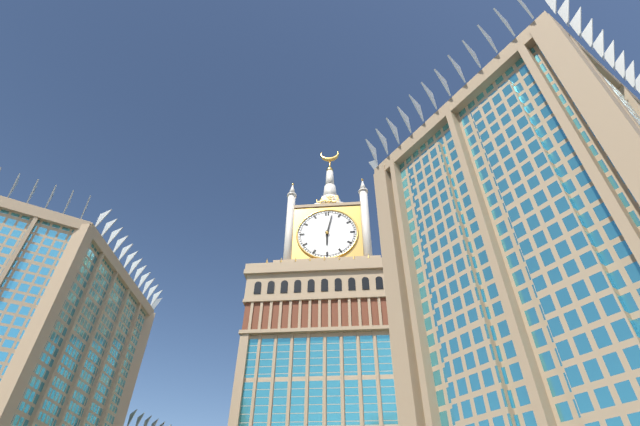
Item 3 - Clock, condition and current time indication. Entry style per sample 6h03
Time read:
6h02
